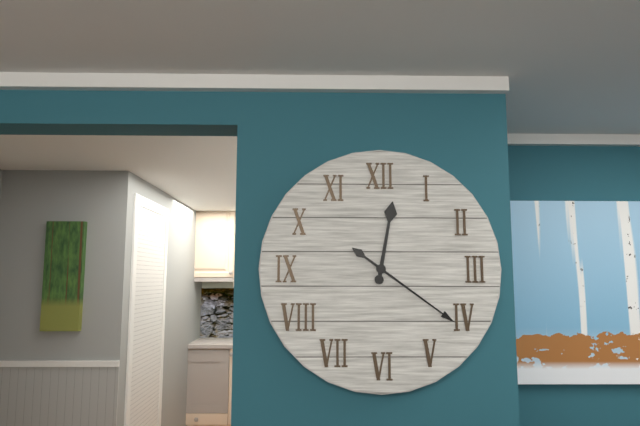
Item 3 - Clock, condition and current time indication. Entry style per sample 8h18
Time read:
12h21
